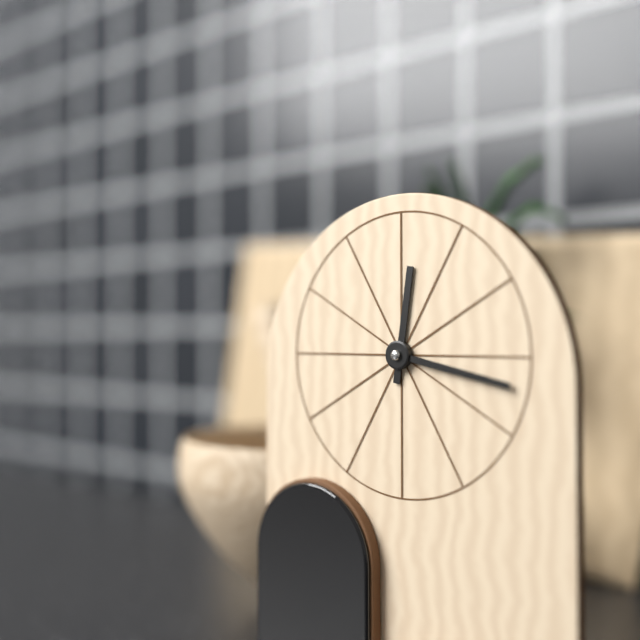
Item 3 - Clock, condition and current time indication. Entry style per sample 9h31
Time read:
12h17
